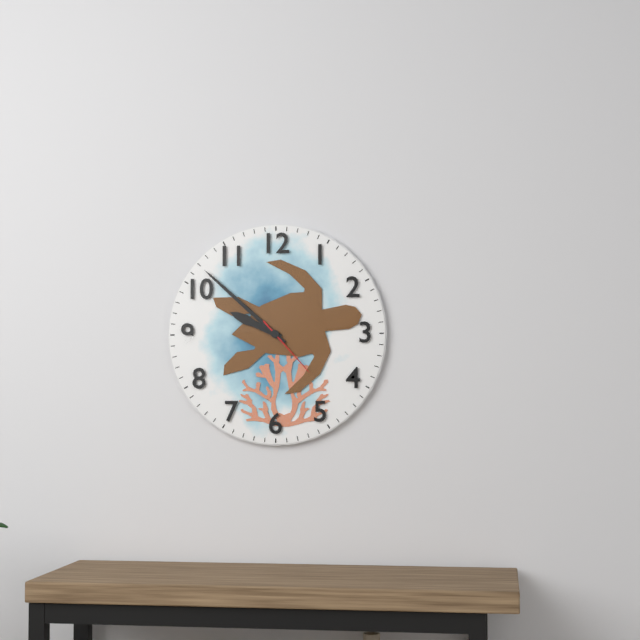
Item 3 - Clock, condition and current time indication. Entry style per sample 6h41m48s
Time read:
9h52m23s
